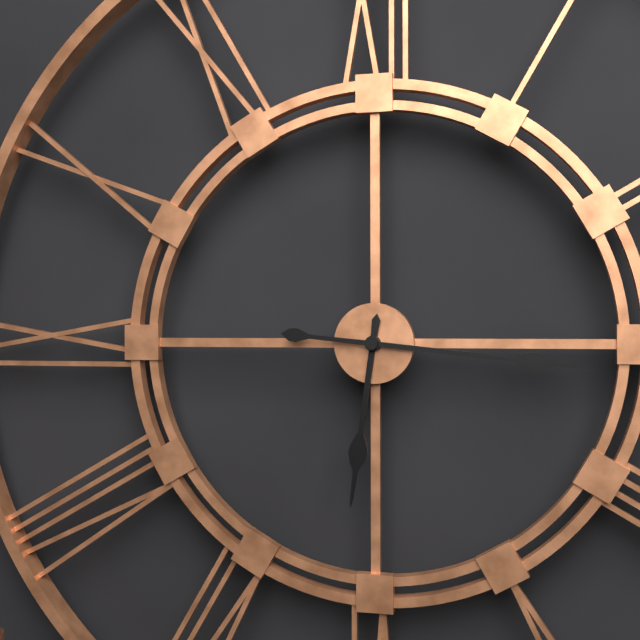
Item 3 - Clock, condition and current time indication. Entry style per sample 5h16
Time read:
6h16
